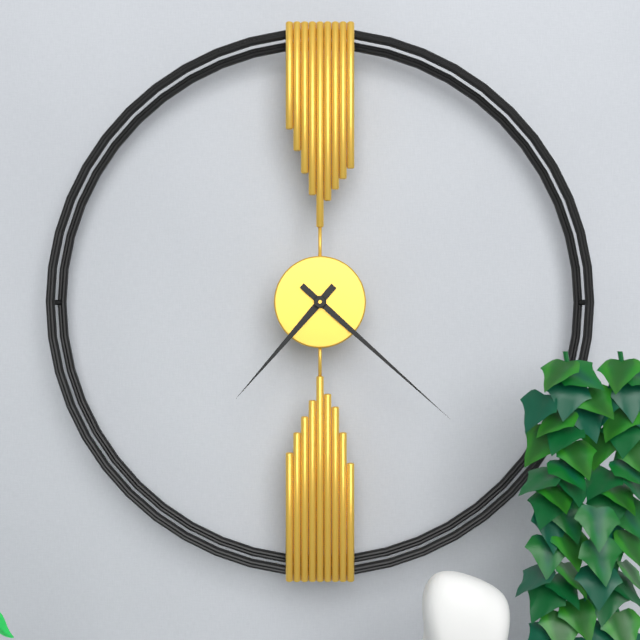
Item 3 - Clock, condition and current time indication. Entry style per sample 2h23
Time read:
7h22
